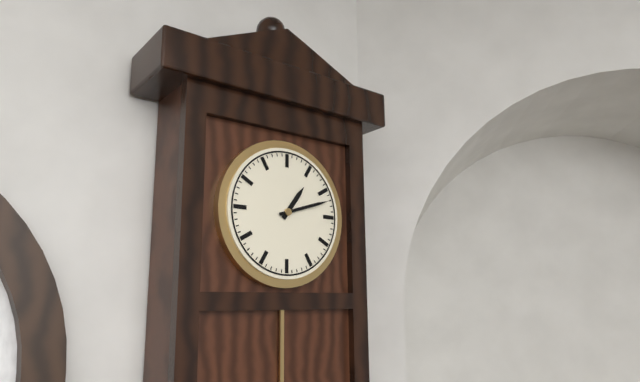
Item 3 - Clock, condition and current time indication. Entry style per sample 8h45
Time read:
1h12
